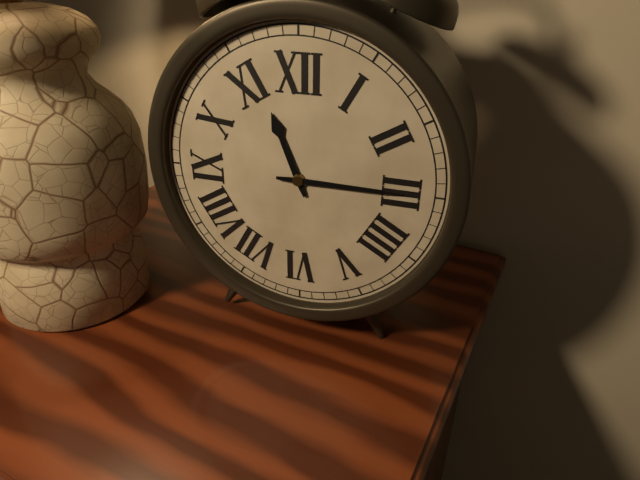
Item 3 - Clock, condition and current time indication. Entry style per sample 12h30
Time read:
11h15
